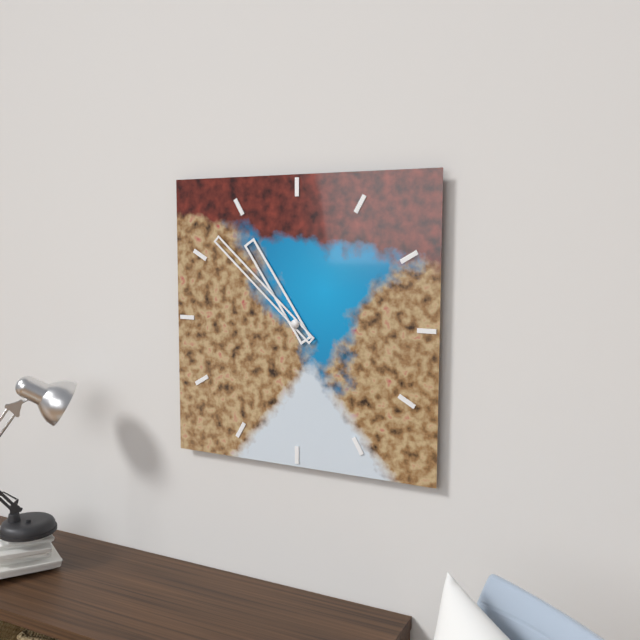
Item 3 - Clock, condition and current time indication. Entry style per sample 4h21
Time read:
10h52
